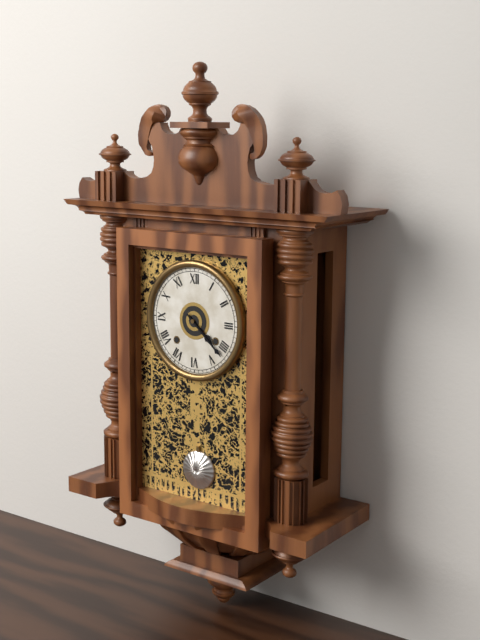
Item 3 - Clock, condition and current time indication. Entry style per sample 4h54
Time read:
4h22
